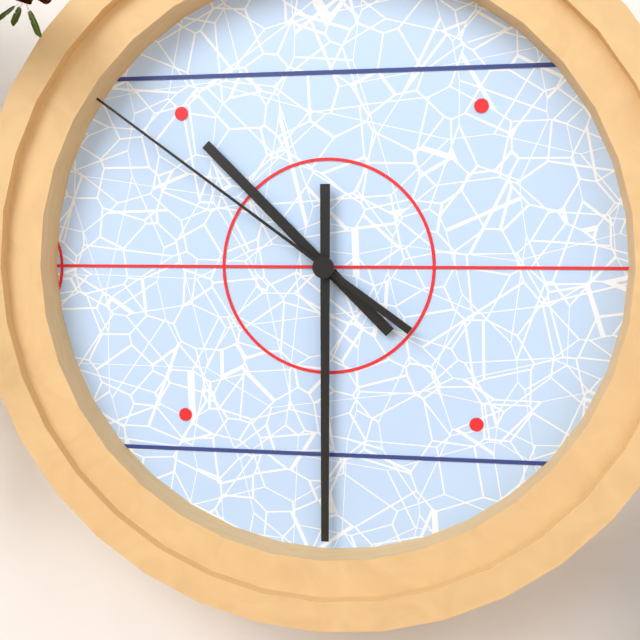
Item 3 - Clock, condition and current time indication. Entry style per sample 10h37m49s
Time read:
10h30m51s
